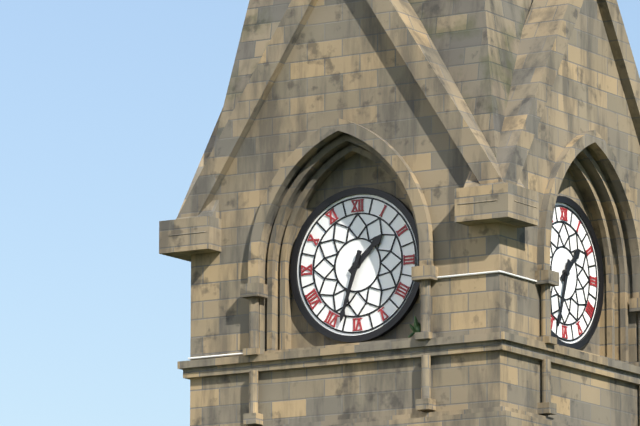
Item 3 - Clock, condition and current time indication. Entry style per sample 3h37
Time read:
1h33
